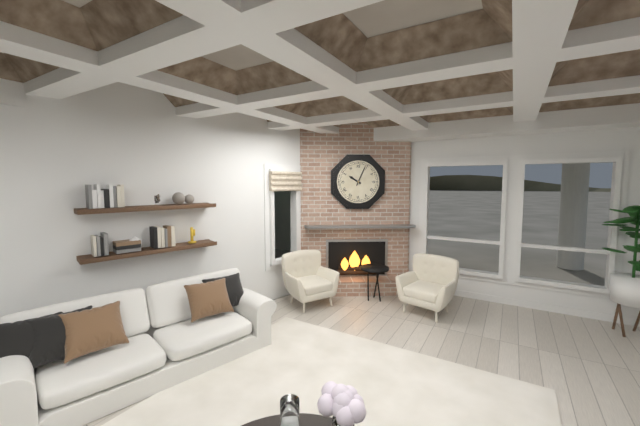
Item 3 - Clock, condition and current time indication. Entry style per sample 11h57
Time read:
10h04
